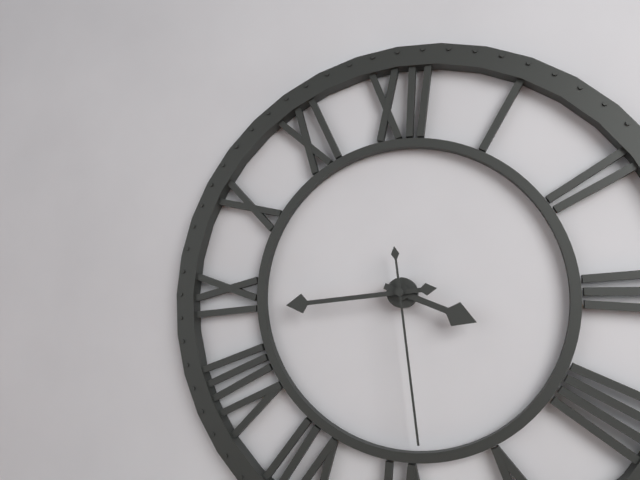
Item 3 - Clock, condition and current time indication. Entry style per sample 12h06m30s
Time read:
3h44m29s
